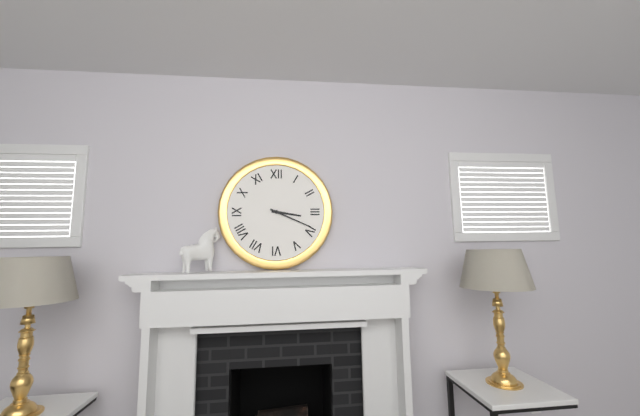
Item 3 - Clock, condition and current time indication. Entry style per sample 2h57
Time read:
3h19
